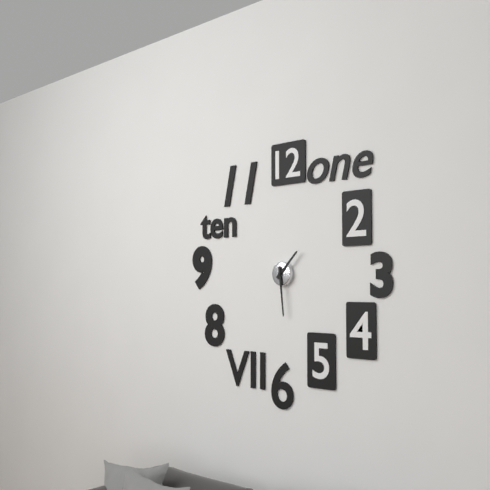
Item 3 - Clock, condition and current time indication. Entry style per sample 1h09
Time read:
1h29
